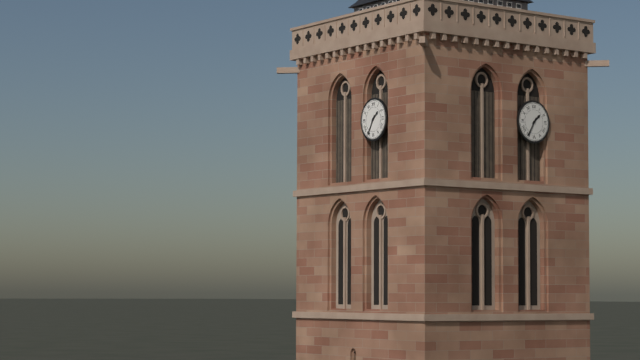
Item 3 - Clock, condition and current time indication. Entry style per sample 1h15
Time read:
1h35
